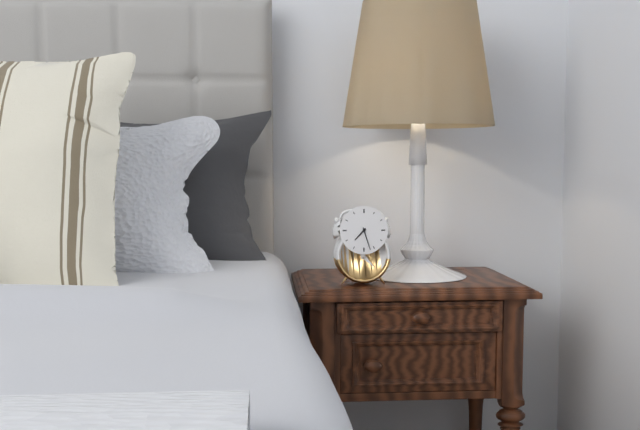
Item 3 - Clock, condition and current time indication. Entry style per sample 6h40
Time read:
7h27
